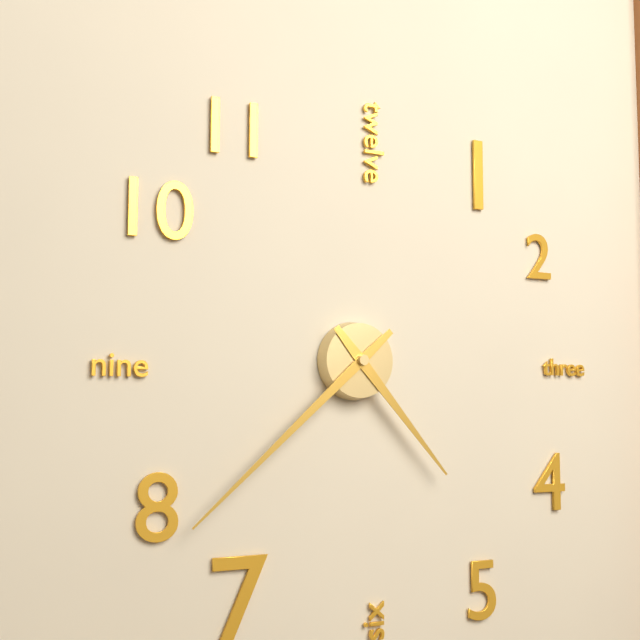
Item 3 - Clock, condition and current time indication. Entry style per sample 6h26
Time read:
4h38
